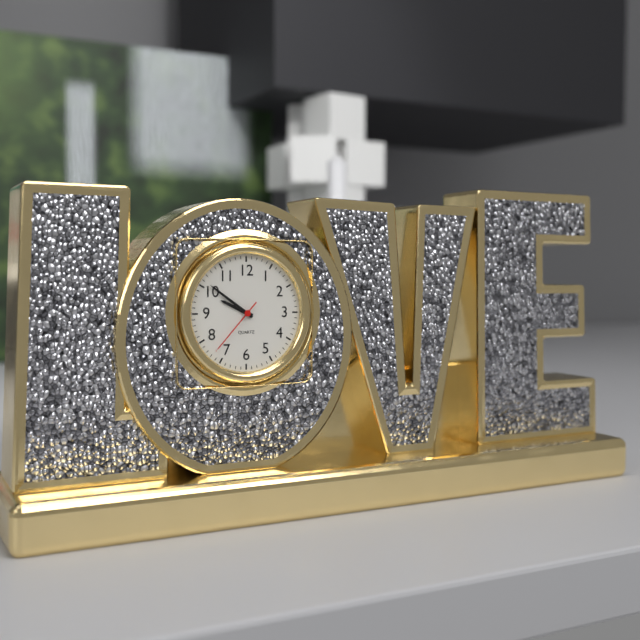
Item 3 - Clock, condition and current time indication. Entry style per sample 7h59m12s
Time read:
9h51m37s
